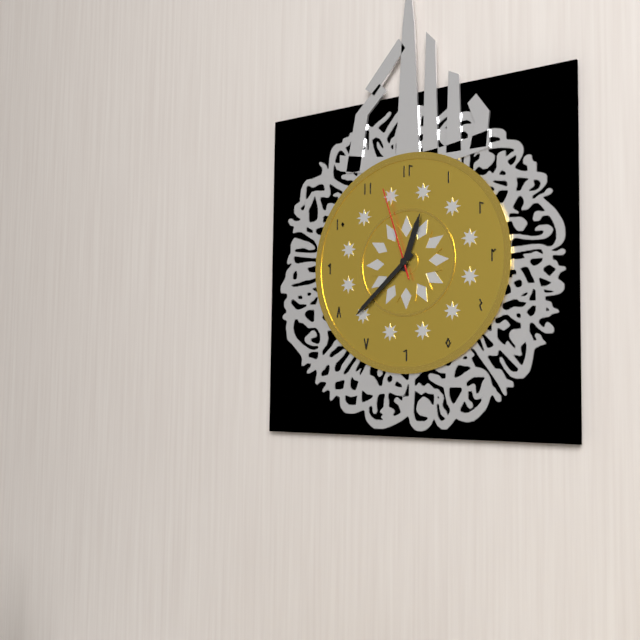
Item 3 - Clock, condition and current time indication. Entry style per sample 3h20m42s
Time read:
12h38m57s
